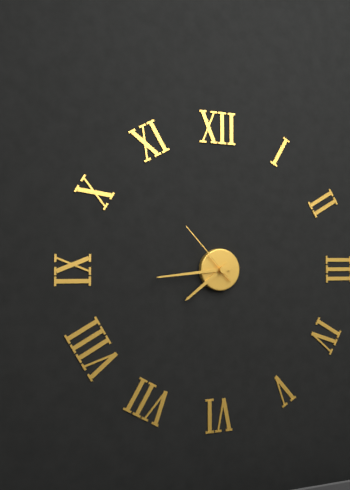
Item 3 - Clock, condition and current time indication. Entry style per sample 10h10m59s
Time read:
7h44m53s
